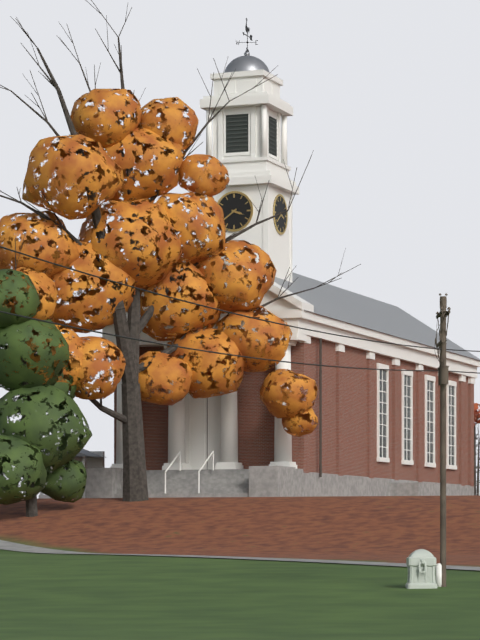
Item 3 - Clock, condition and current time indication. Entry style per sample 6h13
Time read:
3h39
